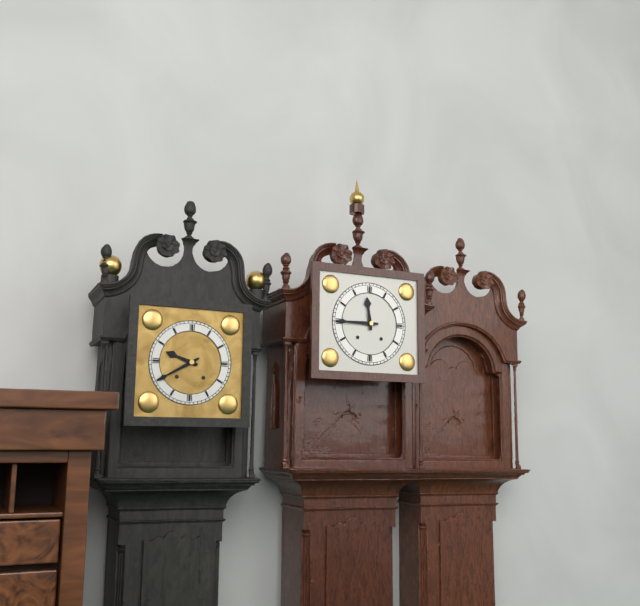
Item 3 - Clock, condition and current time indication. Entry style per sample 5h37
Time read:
11h45
